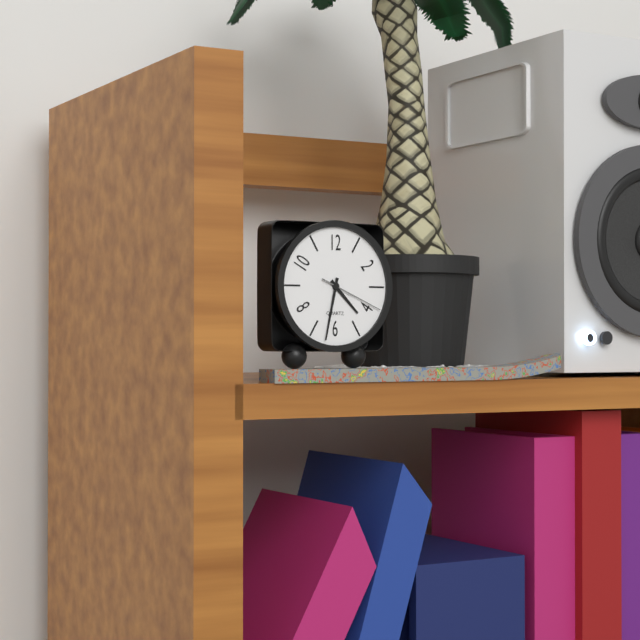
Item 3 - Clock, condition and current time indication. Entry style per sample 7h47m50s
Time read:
4h32m19s
